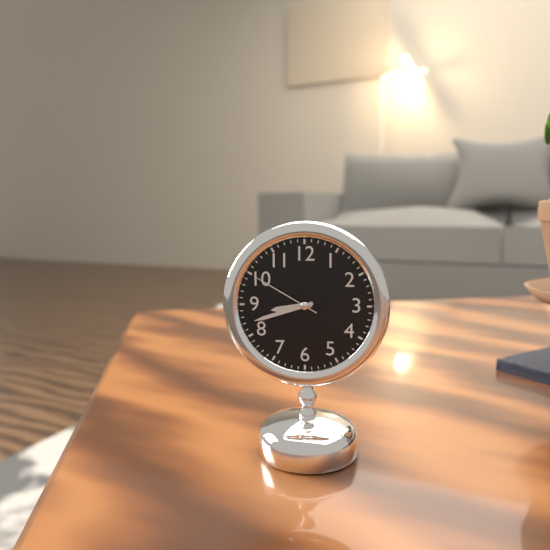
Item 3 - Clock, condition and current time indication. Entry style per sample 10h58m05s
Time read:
8h42m50s
